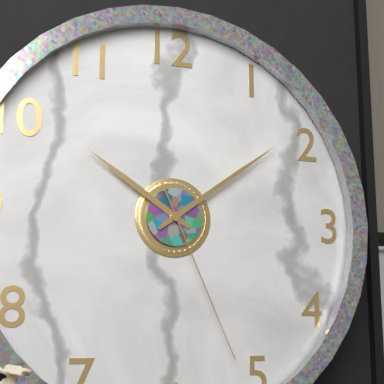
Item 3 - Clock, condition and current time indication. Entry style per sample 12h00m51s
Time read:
10h09m26s
